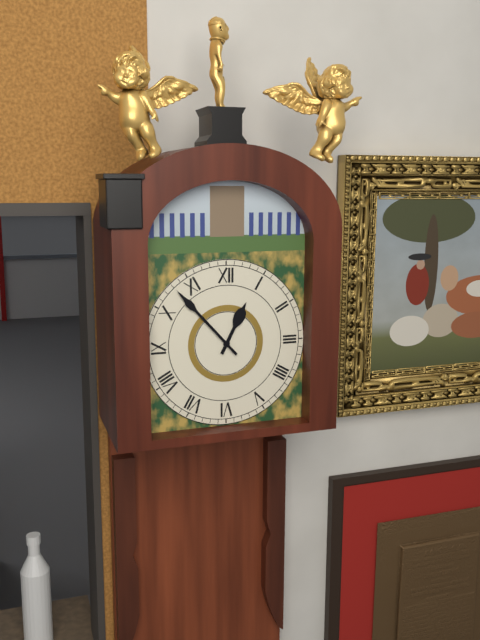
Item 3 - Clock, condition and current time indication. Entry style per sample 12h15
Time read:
12h53
